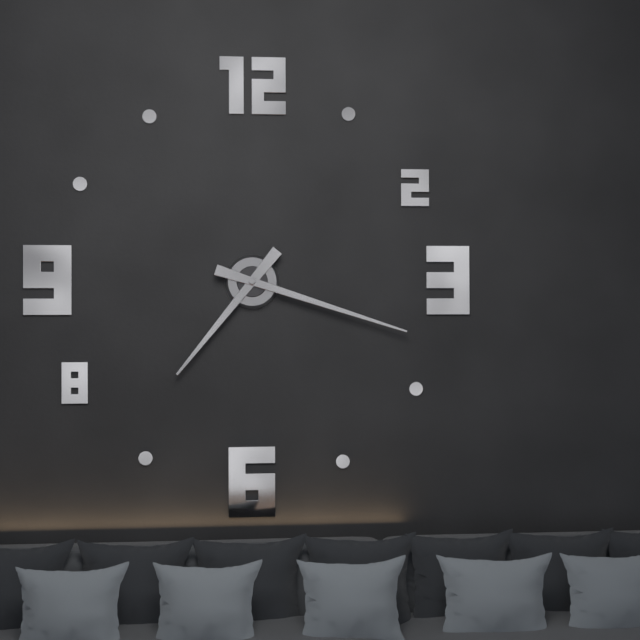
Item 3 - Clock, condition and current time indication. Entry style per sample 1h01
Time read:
7h18
